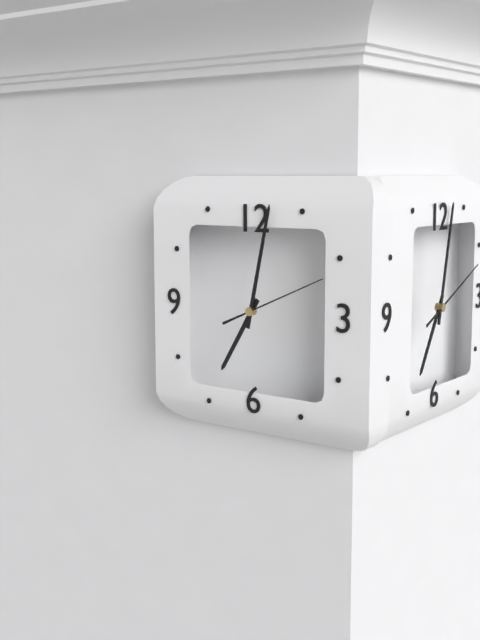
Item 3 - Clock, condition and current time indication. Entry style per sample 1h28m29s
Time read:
7h02m11s
